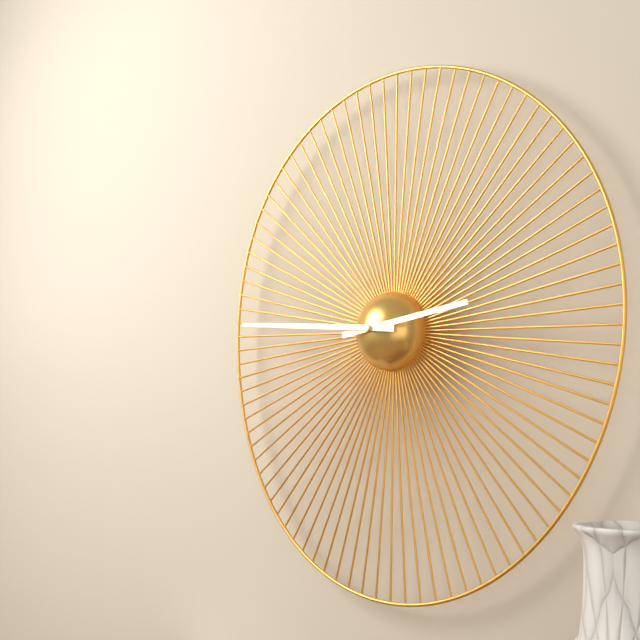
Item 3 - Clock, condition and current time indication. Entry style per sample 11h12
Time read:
2h46
